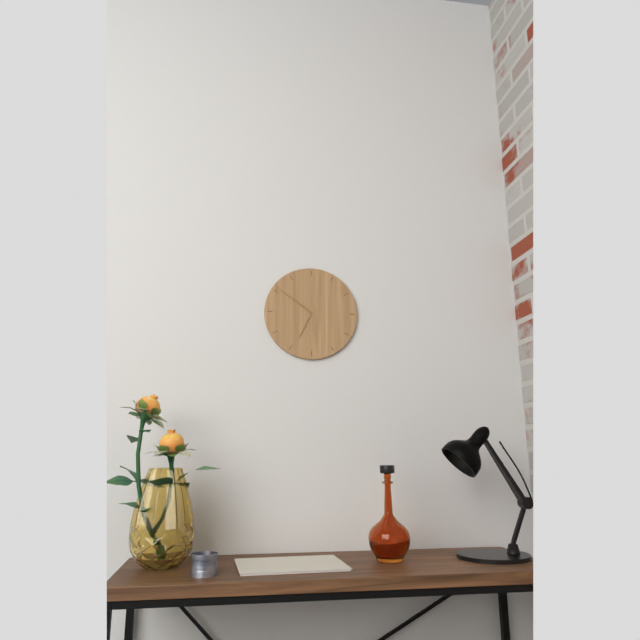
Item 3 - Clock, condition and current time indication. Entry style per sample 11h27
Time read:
6h51
